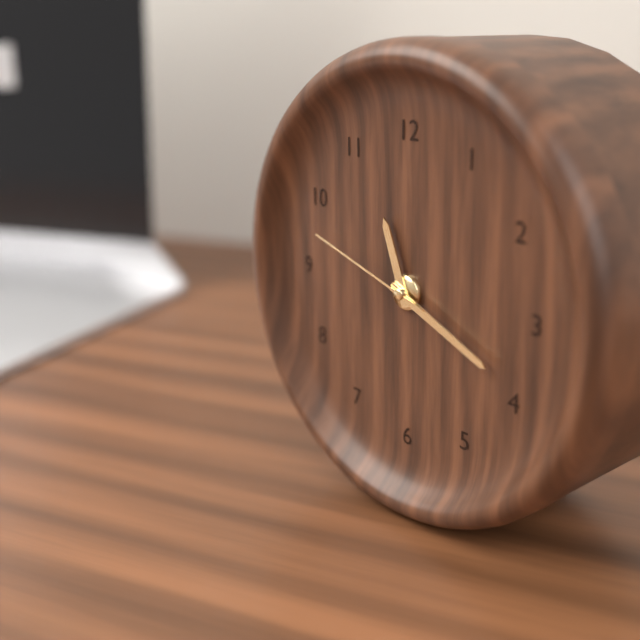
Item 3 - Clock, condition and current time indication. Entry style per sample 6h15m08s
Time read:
11h19m48s
